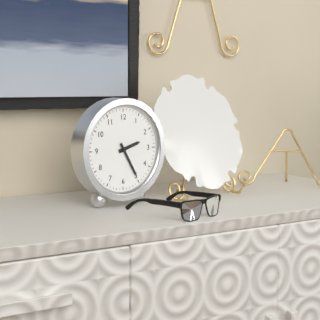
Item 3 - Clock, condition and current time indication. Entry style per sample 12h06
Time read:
2h25
